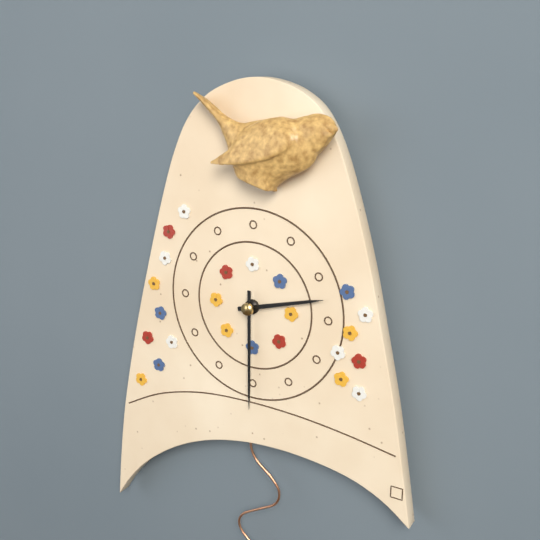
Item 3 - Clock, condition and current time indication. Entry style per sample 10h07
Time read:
2h30
